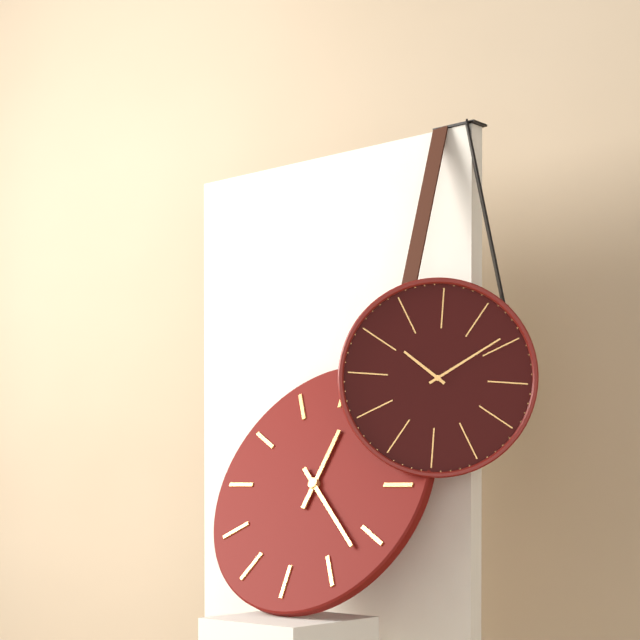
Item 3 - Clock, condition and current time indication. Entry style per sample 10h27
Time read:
12h22
